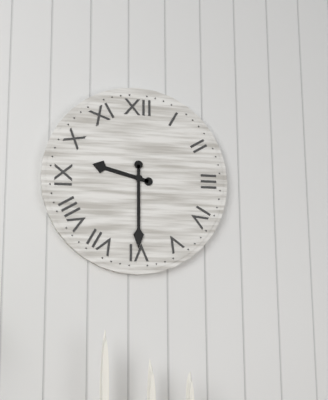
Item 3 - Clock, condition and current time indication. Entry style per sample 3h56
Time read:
9h30
